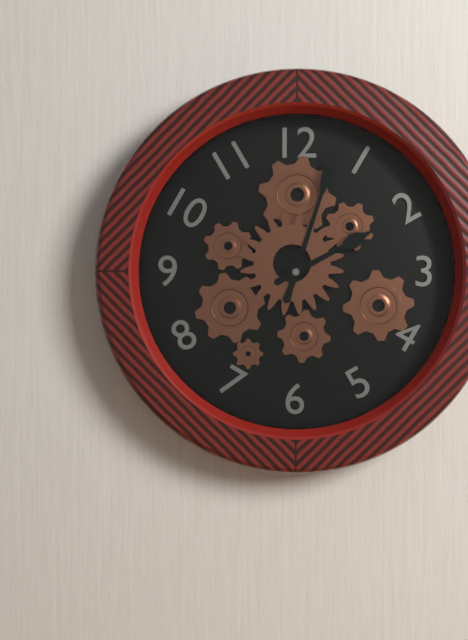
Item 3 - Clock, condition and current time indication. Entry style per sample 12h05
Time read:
2h03
